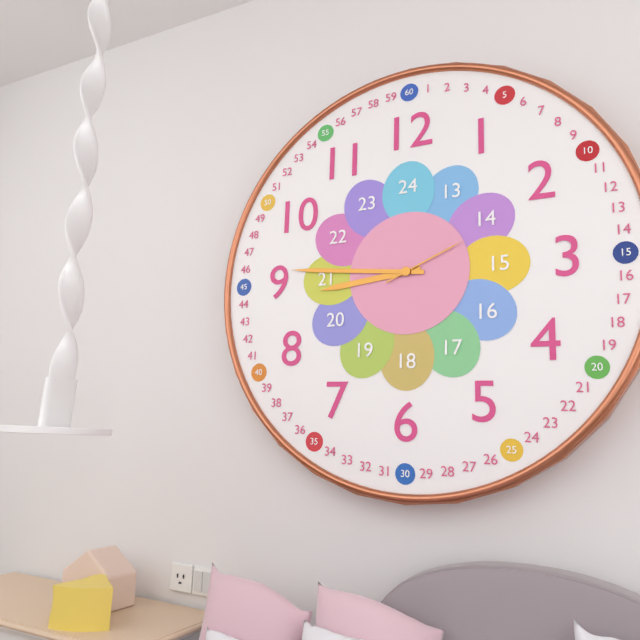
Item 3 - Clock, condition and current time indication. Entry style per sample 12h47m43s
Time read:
8h46m11s
